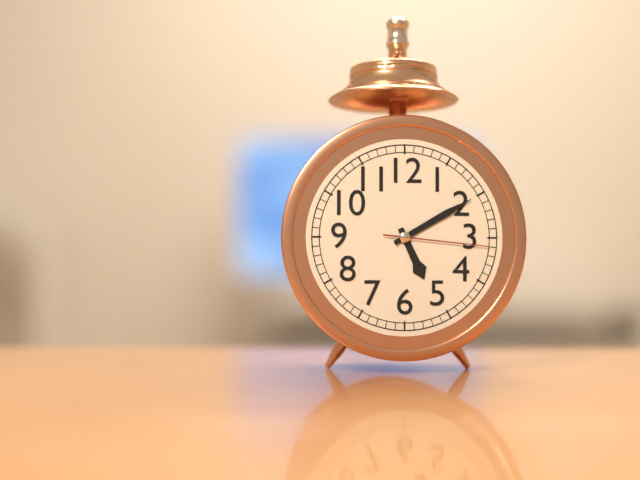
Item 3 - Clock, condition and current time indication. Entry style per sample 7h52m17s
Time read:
5h10m16s
